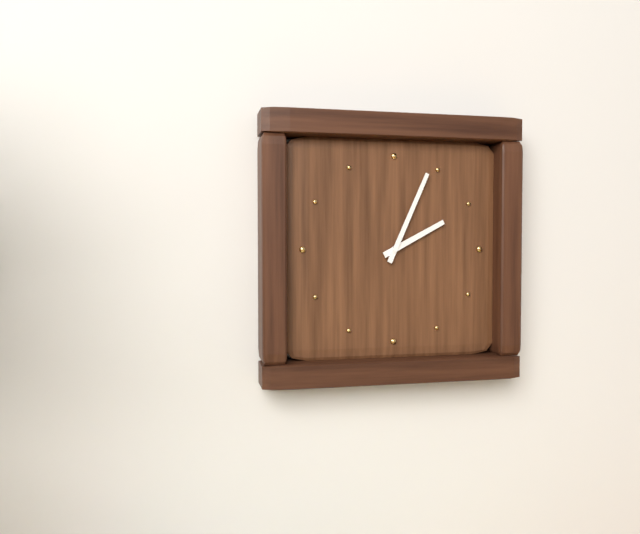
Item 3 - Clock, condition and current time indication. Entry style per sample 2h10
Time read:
2h04
